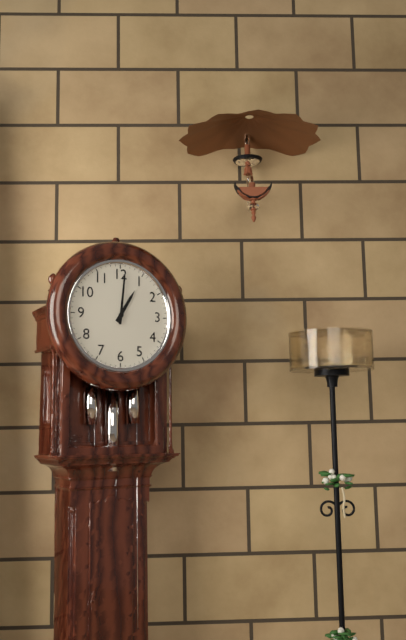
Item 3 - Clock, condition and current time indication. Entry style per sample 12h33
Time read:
1h01
